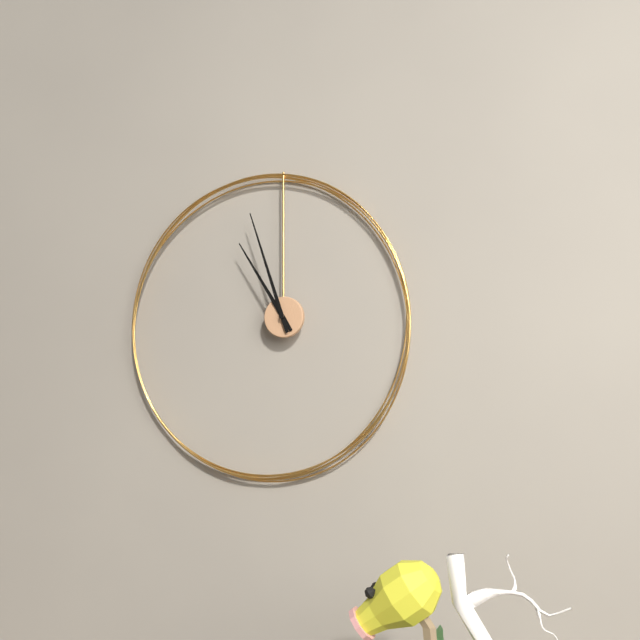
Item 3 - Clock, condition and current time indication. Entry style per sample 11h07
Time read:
10h57
